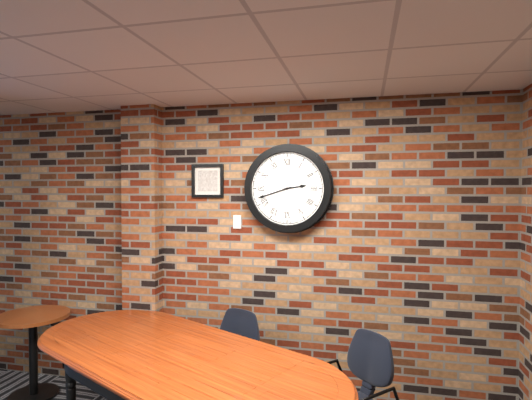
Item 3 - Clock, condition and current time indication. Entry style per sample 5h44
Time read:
2h42
